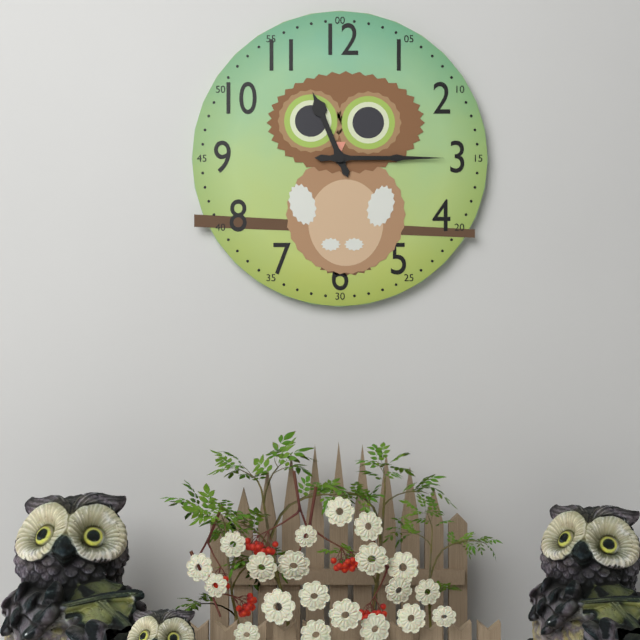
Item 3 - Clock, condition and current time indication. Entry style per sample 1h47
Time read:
11h15
